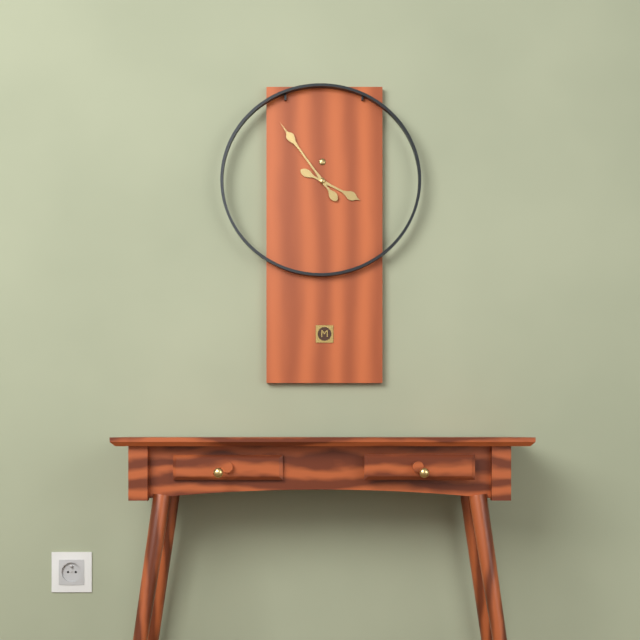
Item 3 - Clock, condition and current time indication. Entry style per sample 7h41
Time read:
3h54
